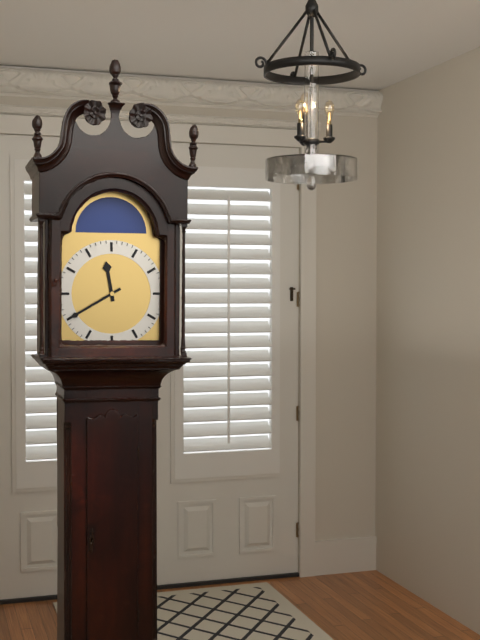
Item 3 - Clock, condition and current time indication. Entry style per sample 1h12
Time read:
11h40
